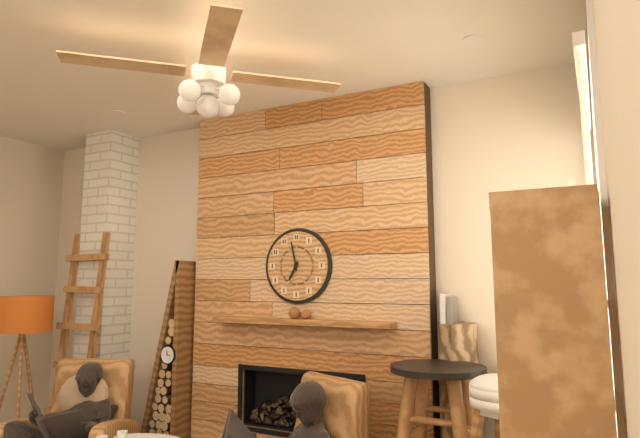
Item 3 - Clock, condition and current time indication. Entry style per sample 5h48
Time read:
6h58
